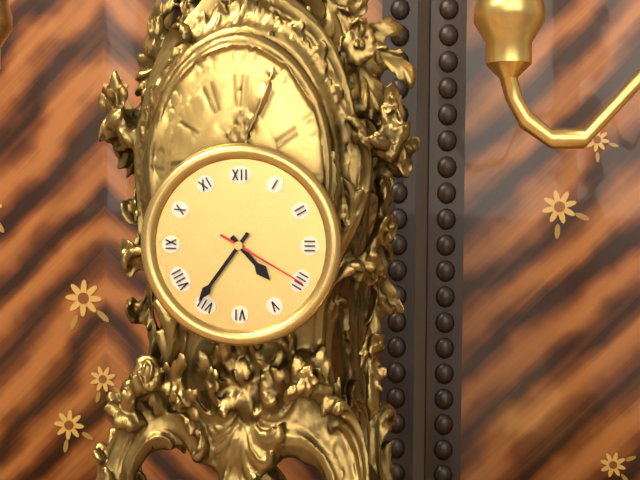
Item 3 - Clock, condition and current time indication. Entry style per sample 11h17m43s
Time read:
4h36m20s
